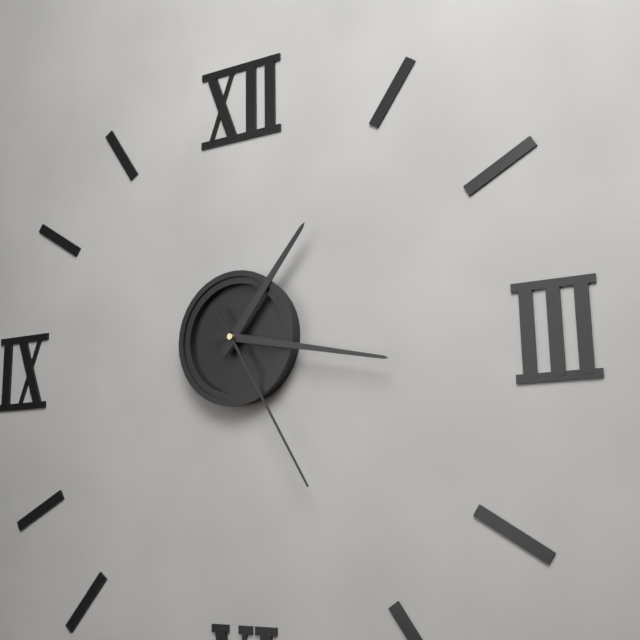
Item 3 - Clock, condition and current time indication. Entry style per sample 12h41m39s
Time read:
1h17m25s
